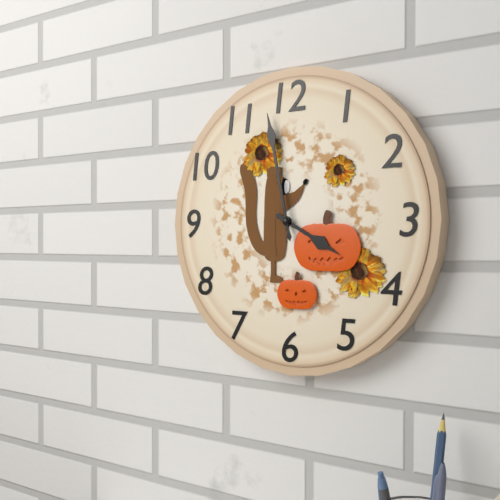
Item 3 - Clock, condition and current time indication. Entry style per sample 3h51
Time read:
3h58
